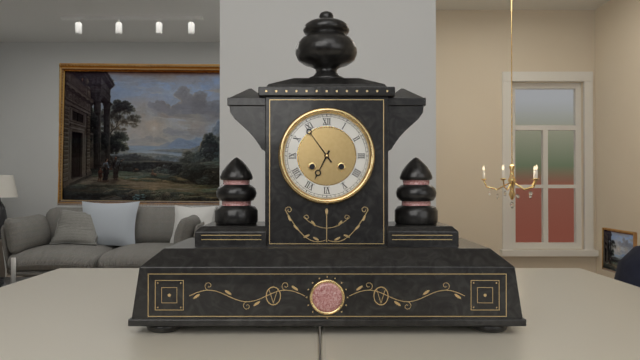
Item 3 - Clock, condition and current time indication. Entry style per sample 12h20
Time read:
6h54
